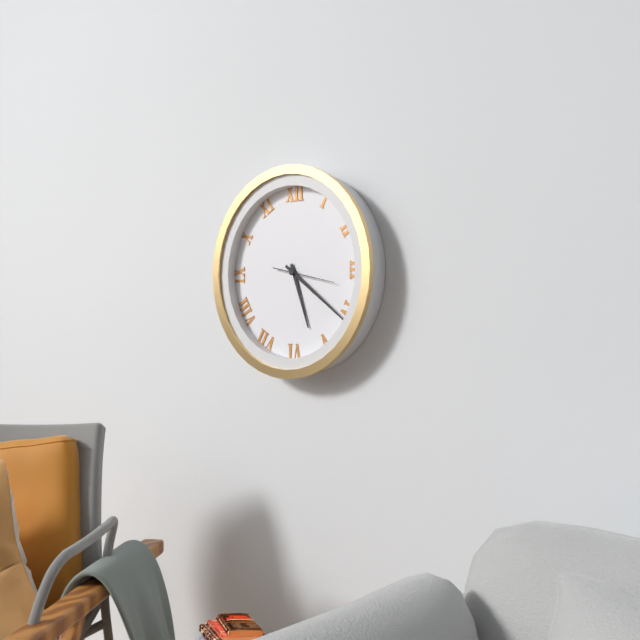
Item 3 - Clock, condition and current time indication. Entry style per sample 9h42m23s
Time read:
5h21m17s
